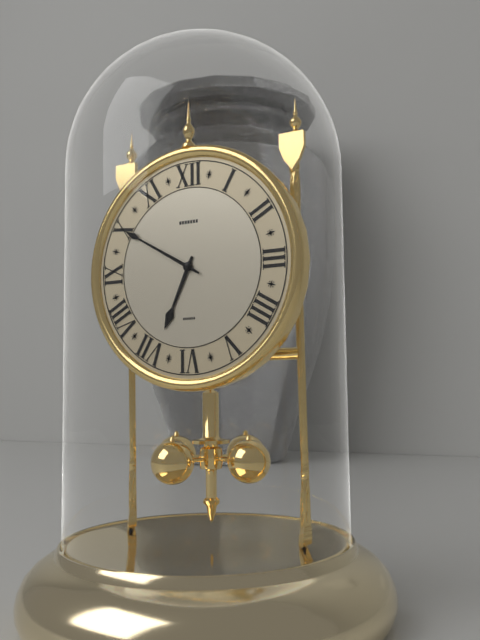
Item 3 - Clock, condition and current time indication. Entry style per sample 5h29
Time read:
6h50
